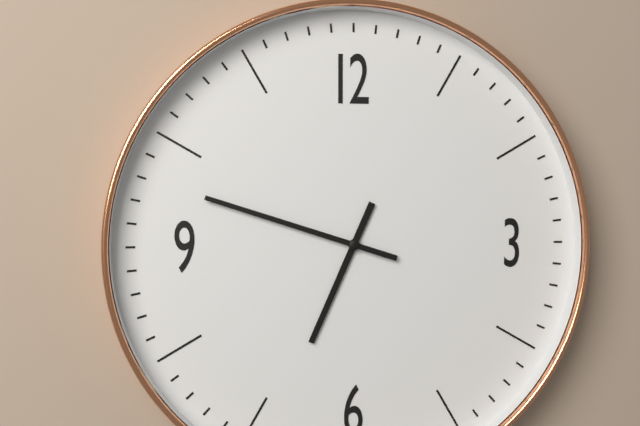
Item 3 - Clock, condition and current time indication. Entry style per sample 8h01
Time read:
6h48
